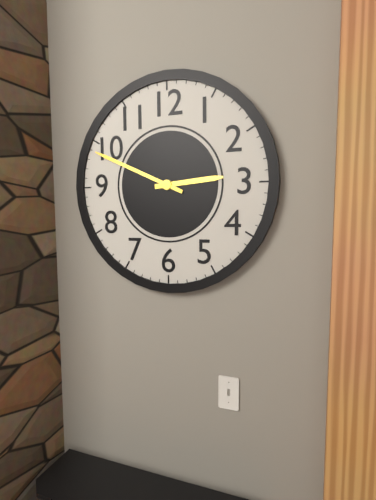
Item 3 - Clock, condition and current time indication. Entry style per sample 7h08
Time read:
2h49
